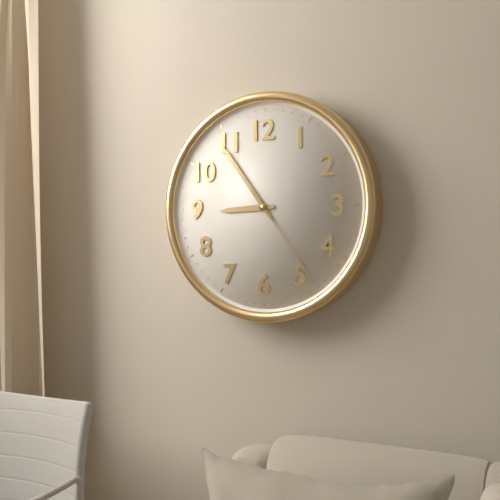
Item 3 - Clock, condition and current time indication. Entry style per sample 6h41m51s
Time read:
8h54m24s
